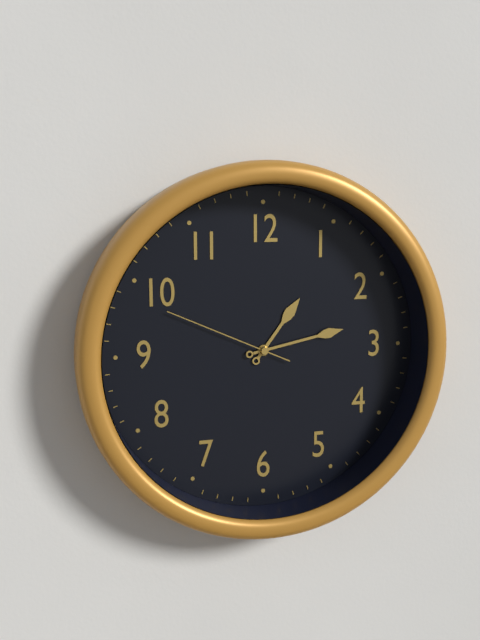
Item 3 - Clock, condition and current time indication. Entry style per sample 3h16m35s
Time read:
1h13m49s
